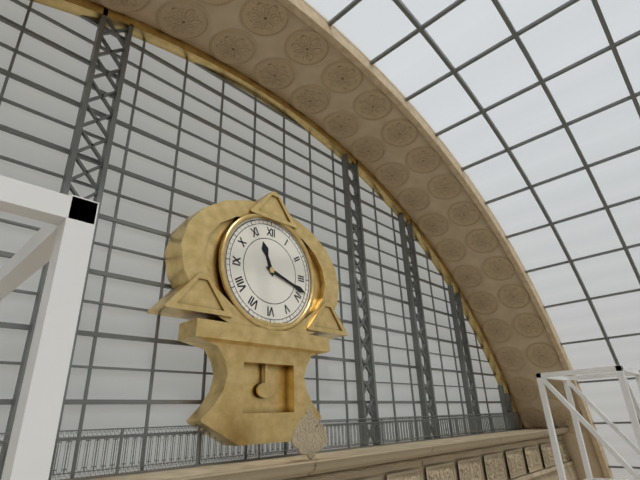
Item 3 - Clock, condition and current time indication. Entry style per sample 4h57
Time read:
11h18
